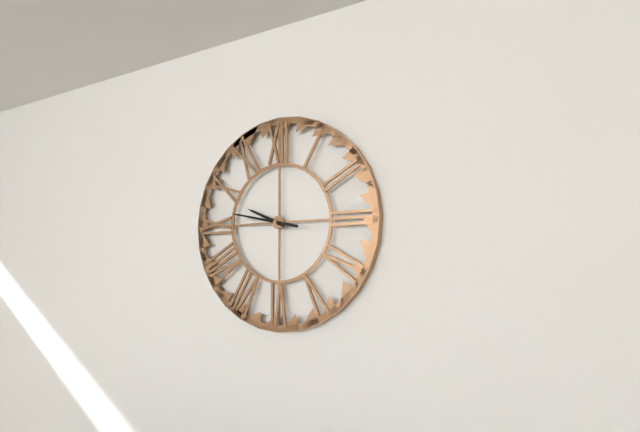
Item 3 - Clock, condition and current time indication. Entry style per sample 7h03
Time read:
9h47
